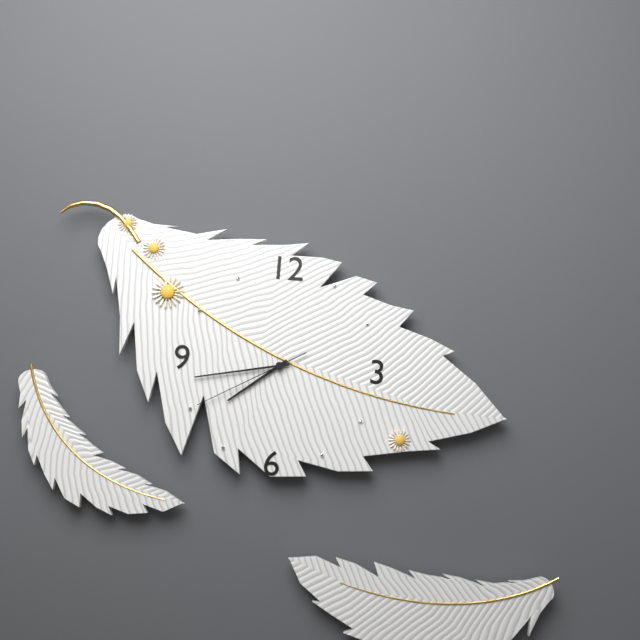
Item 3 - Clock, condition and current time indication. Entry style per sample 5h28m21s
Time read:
7h43m40s
